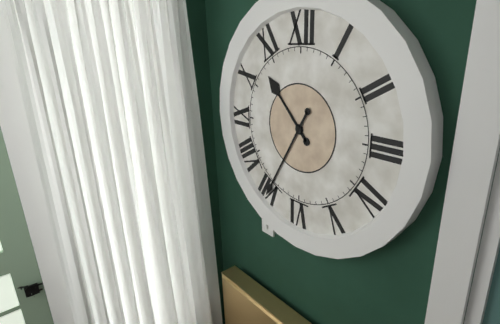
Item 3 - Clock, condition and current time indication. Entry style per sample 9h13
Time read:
10h35
